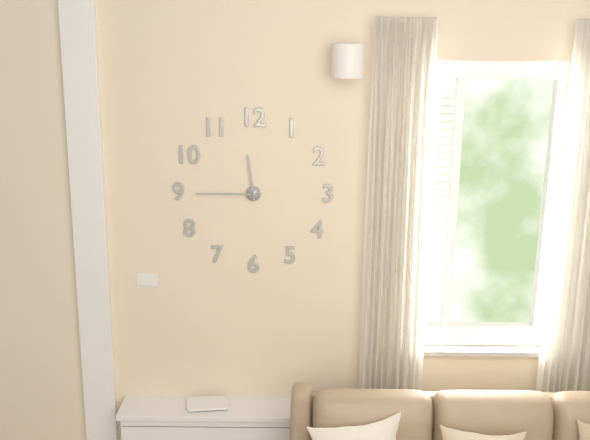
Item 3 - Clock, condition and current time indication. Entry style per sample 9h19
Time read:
11h45
